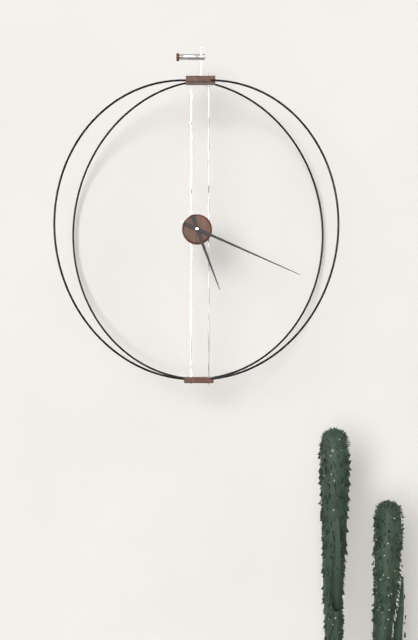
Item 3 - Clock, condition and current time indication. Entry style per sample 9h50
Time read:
5h19
